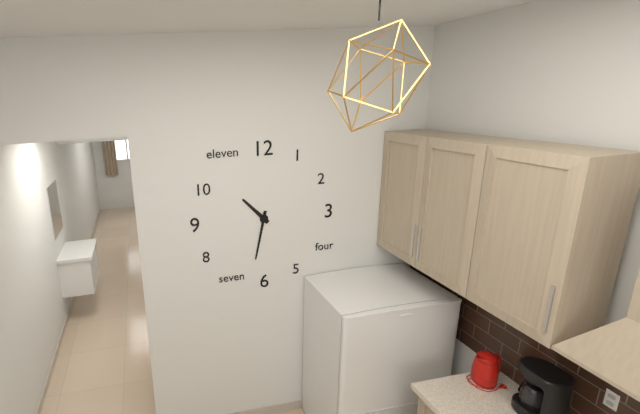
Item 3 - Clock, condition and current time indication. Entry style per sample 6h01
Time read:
10h32
